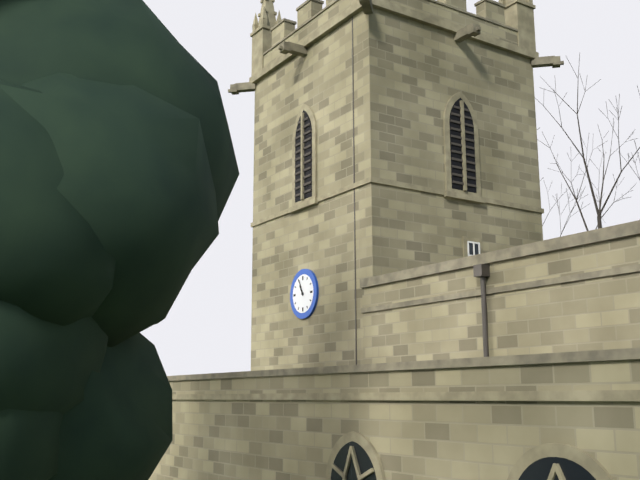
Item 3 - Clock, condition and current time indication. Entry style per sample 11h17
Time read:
10h56
